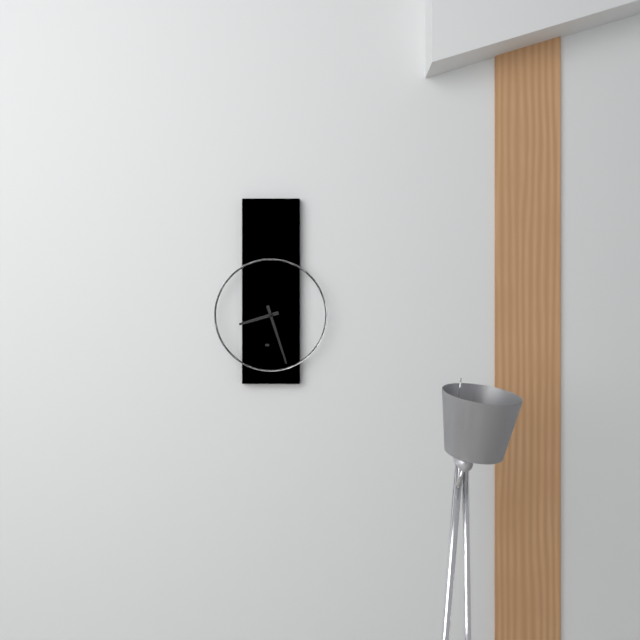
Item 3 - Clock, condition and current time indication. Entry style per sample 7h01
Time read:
8h27
